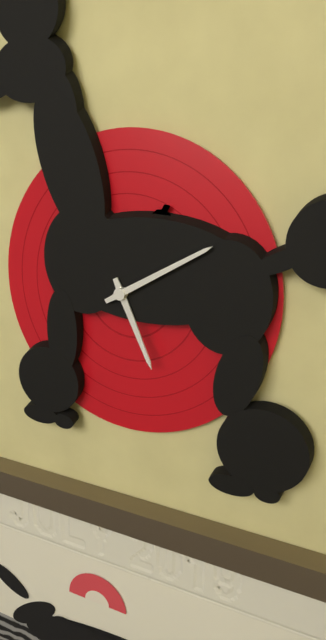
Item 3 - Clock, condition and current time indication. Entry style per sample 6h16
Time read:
5h10
